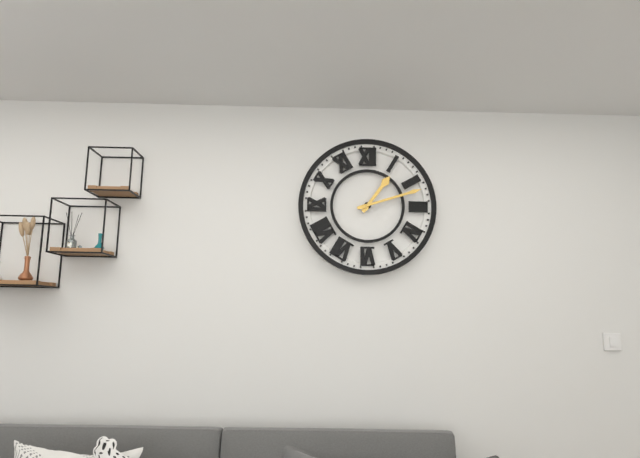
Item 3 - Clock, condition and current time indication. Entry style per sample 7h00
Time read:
1h12
